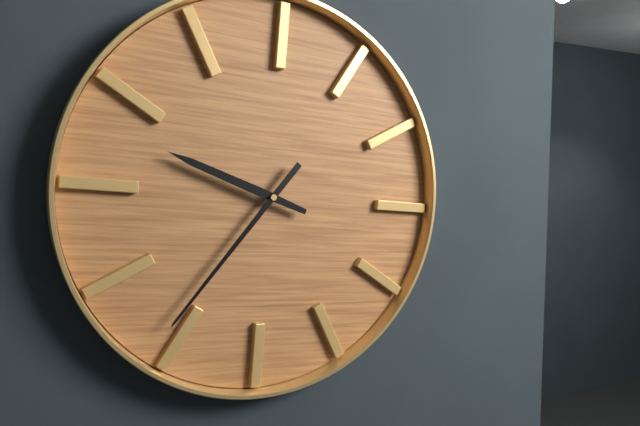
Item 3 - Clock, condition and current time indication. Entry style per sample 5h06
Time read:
9h36
